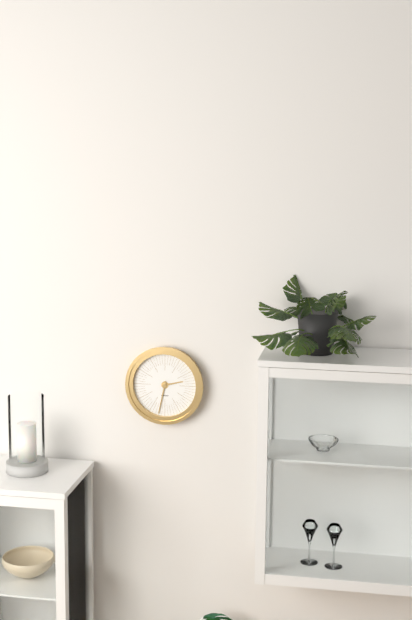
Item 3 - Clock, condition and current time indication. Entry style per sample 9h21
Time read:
2h32
